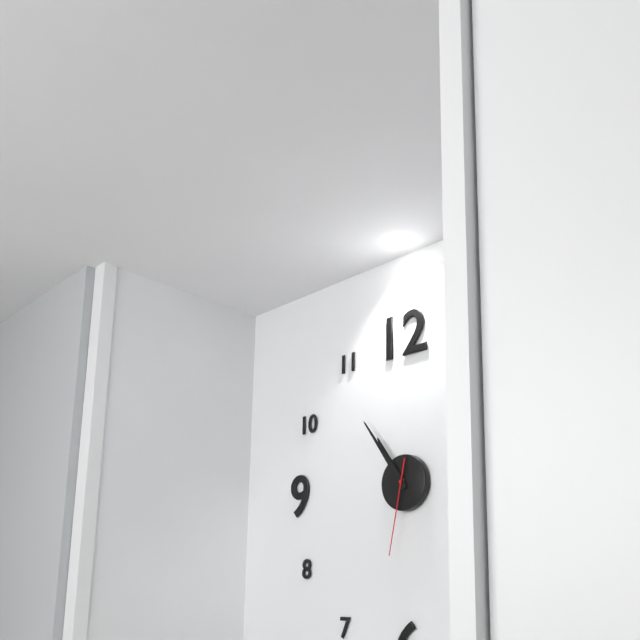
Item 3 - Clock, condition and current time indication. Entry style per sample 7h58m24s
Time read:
10h54m32s
